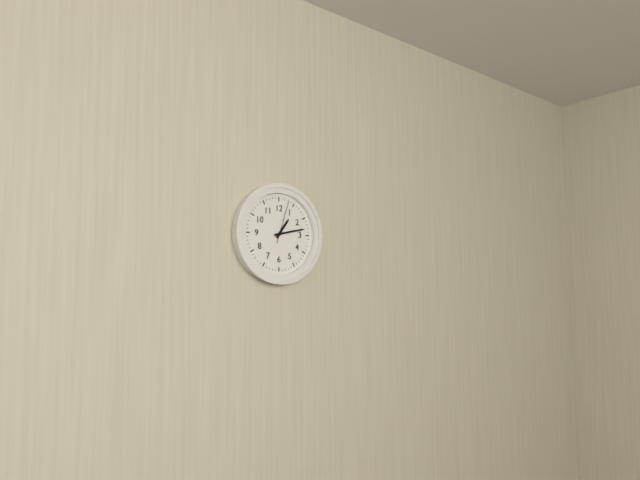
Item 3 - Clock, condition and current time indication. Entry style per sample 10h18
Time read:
1h13
